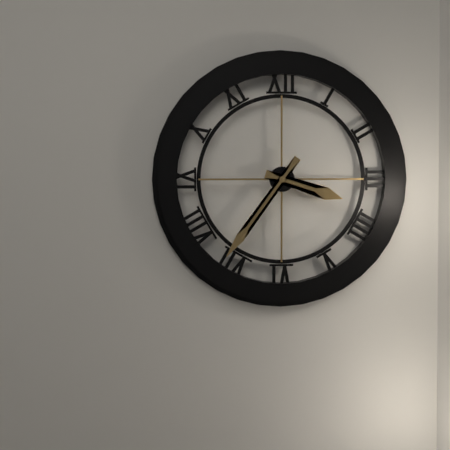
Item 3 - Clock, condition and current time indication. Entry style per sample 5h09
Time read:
3h36
